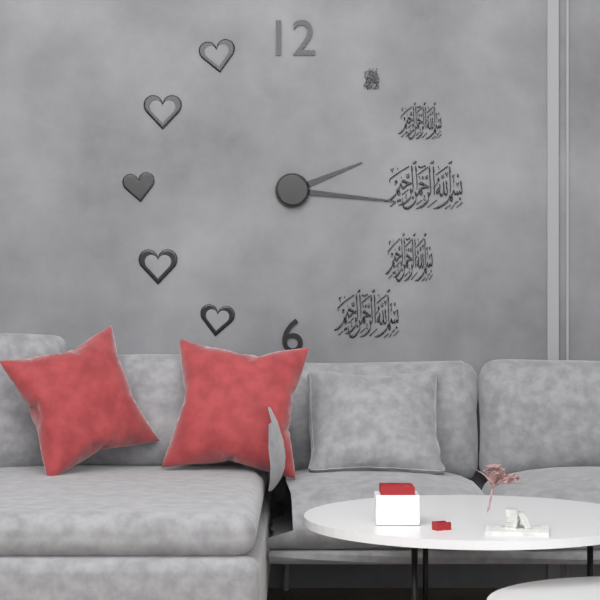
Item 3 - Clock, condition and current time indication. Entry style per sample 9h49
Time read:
2h16
